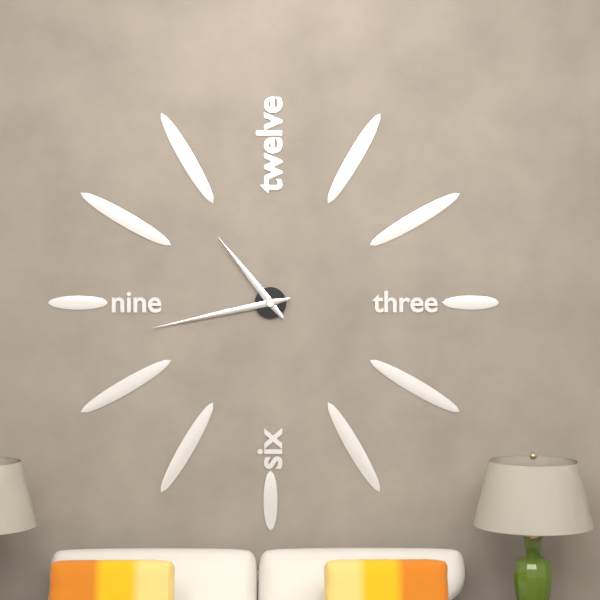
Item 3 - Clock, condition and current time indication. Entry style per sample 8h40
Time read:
10h43
